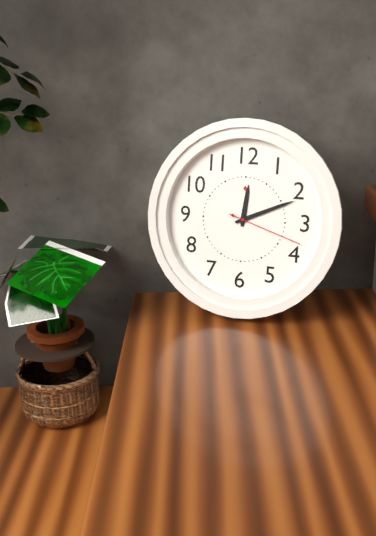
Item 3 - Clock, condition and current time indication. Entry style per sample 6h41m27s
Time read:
12h11m18s
